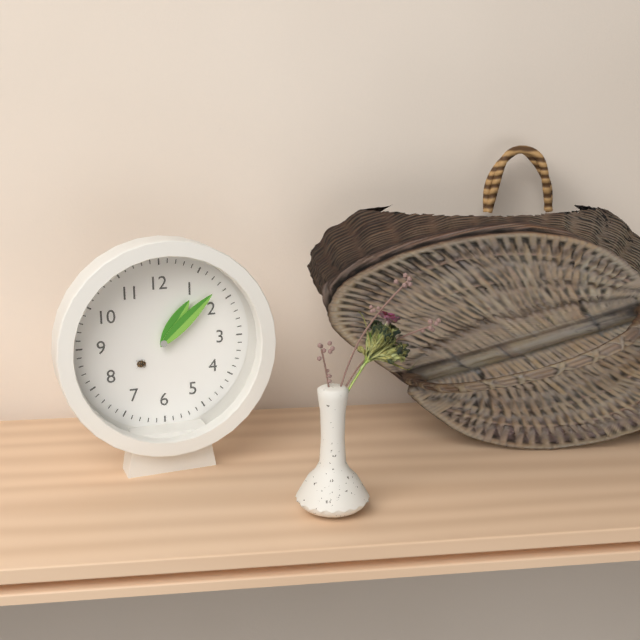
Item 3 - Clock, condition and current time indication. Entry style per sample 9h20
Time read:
1h08
